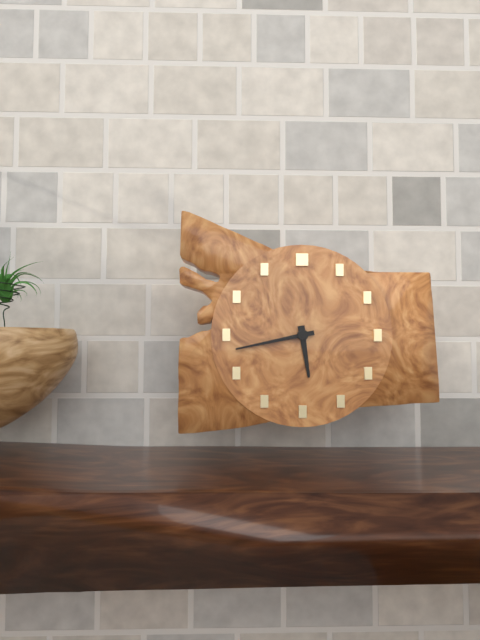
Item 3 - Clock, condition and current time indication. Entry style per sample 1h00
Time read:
5h43
